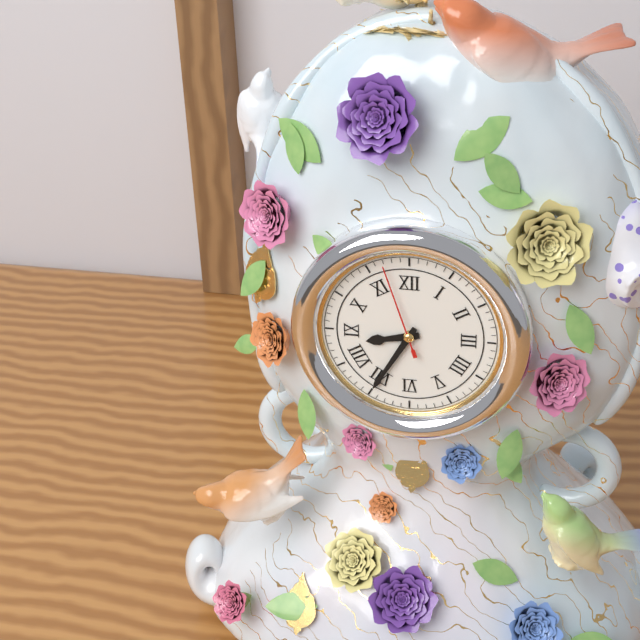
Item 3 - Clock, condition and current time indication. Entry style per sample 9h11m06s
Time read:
8h35m57s
